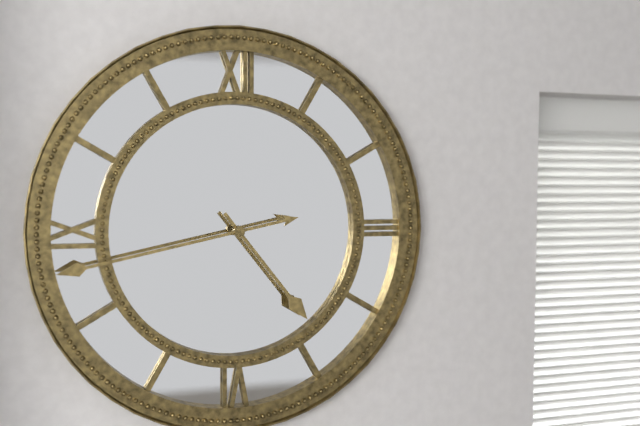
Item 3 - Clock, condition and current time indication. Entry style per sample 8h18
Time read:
4h43
